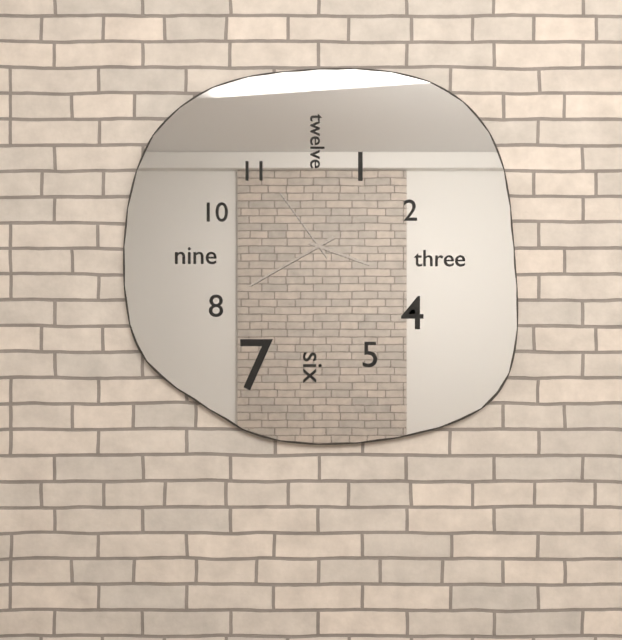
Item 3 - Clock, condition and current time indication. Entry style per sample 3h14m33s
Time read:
3h40m54s
